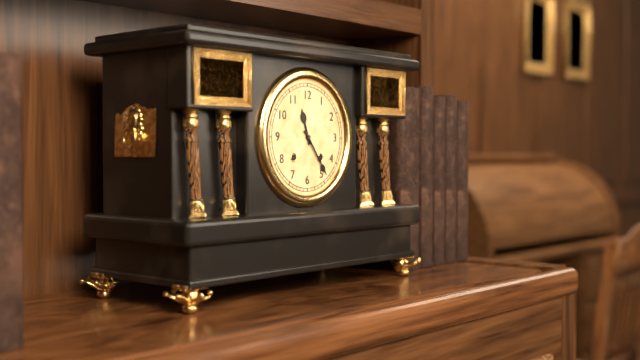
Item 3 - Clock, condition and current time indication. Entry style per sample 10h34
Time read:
11h24
